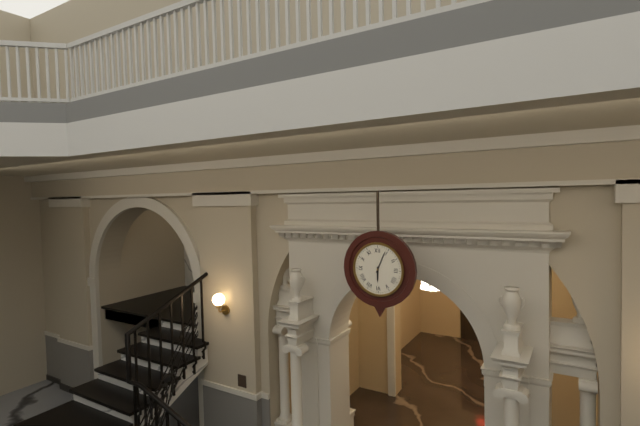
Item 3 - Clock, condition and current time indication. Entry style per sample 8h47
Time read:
6h04
